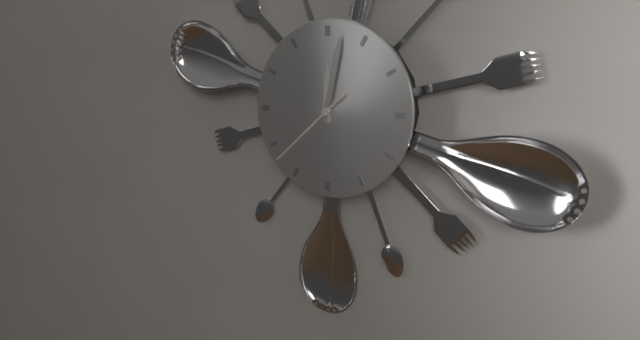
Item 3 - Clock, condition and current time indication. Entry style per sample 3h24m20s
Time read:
12h02m38s
